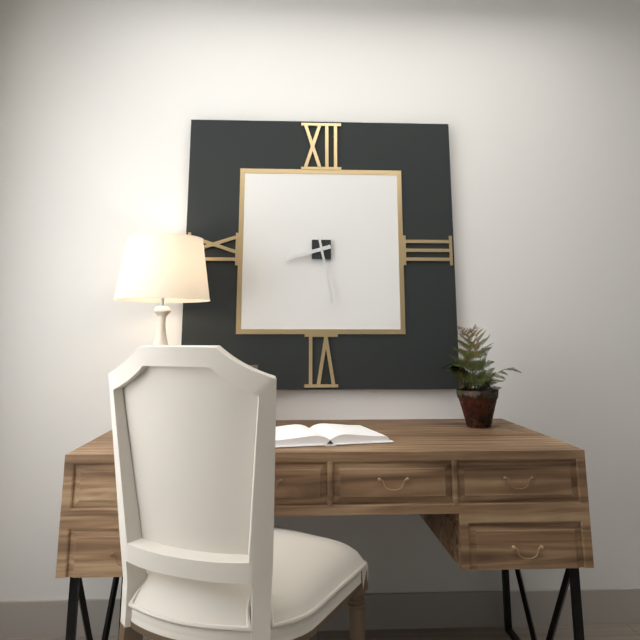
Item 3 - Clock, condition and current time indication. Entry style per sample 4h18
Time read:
8h28
